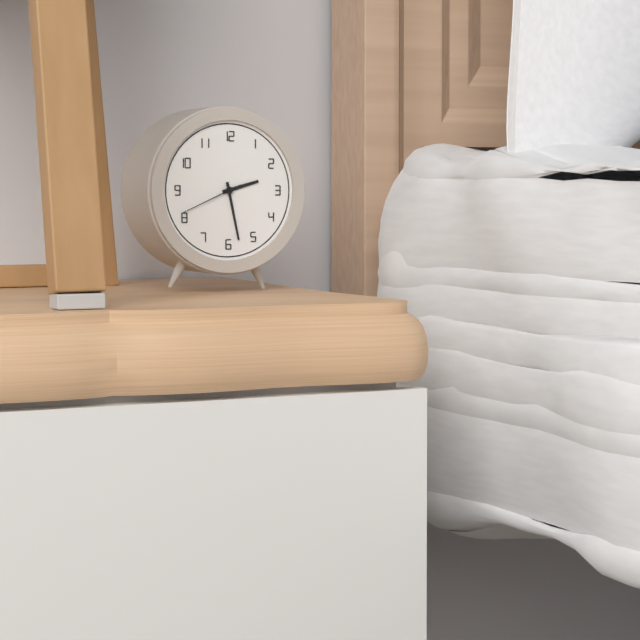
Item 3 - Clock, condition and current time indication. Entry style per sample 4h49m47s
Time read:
2h28m41s
